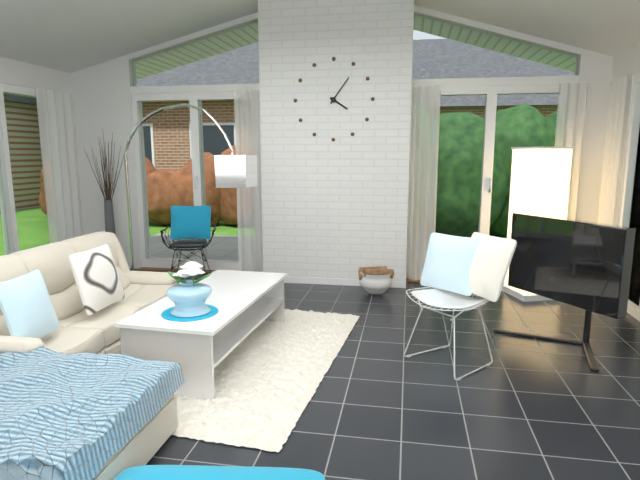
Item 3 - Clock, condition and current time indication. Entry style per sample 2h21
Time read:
4h06
